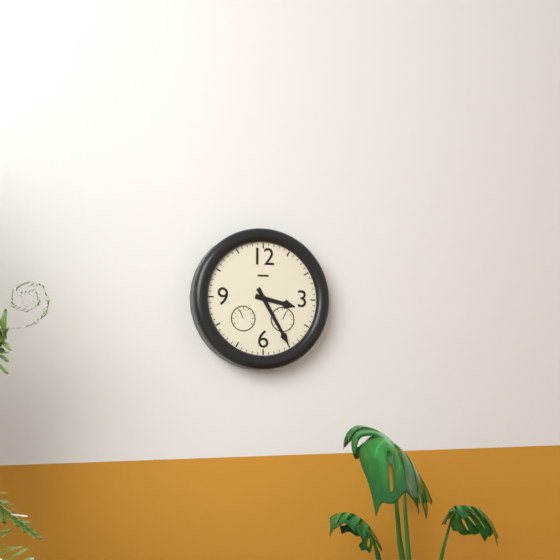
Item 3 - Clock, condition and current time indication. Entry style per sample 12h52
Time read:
3h25
